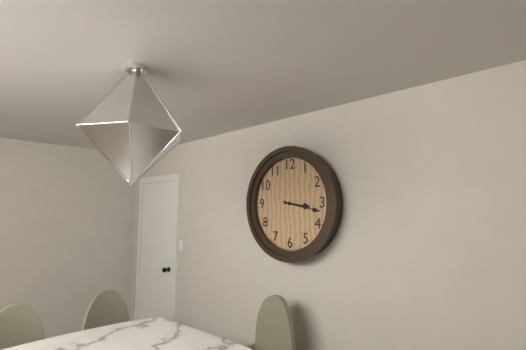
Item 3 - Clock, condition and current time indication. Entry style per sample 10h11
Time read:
3h17
